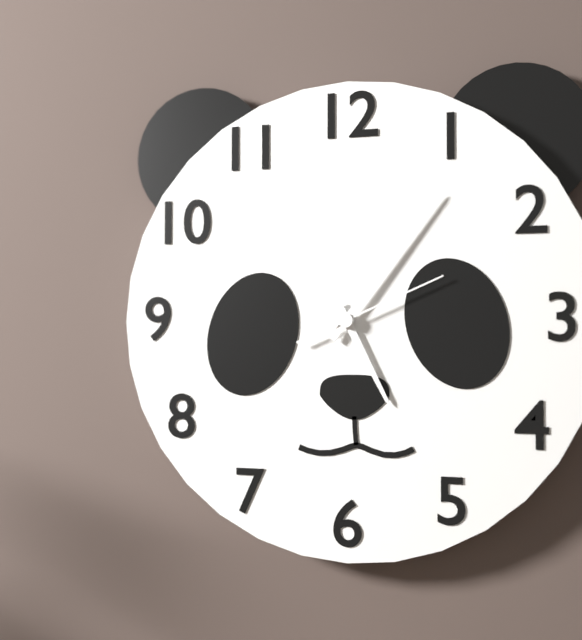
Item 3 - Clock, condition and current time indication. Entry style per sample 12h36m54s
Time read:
5h06m11s
